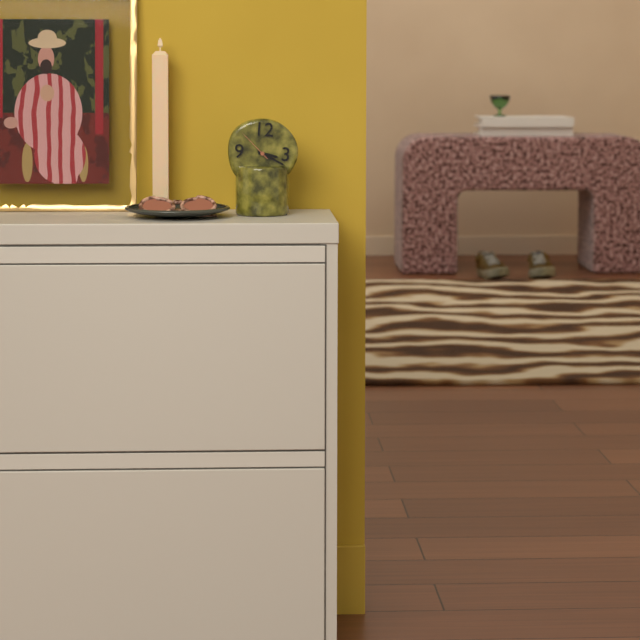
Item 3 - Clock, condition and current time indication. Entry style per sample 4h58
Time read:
3h19
